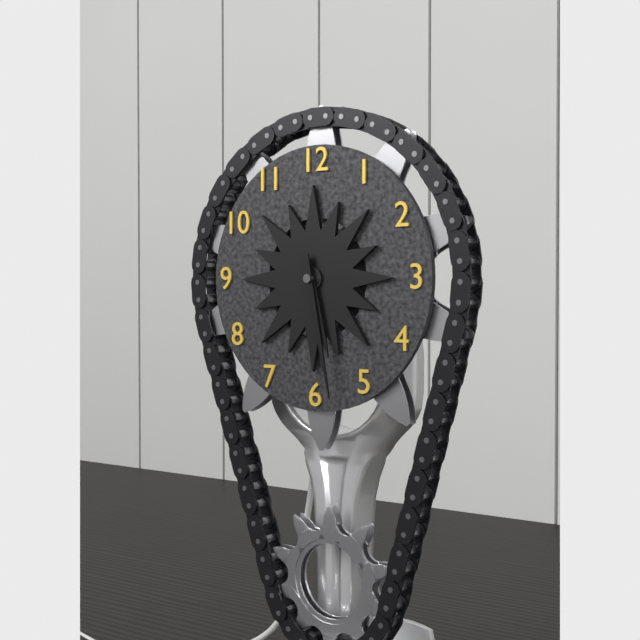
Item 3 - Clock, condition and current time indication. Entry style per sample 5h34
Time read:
5h28
